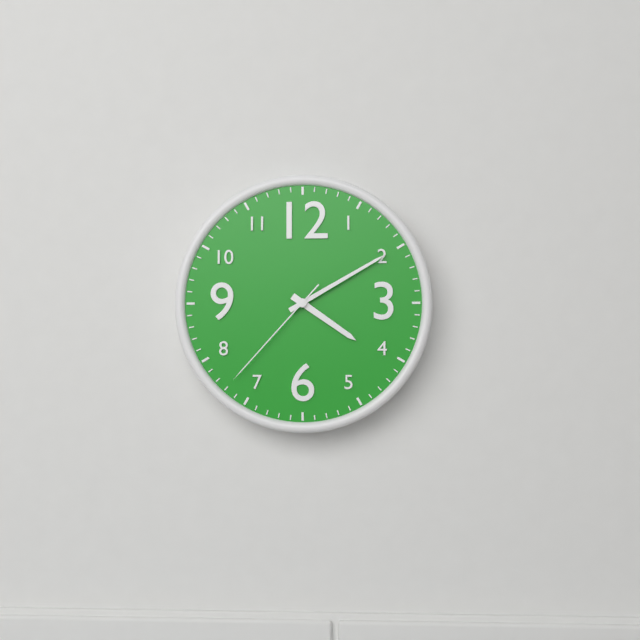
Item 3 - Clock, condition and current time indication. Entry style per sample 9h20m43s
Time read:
4h10m37s
